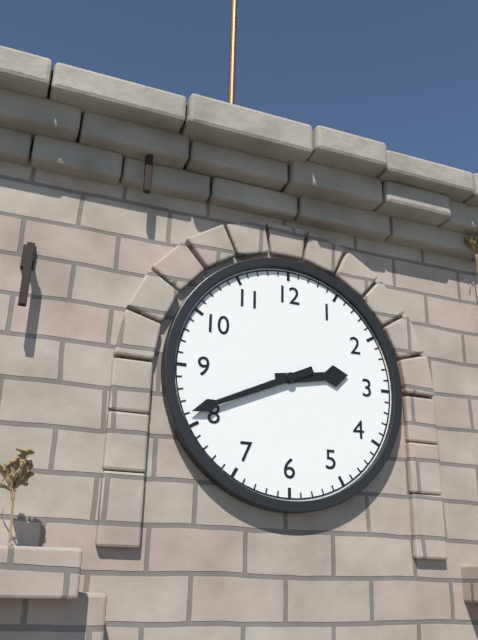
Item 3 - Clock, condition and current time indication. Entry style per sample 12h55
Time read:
2h41
